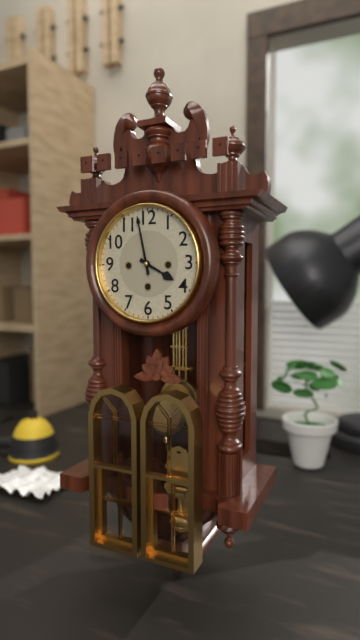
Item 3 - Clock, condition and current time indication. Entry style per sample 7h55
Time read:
3h58
